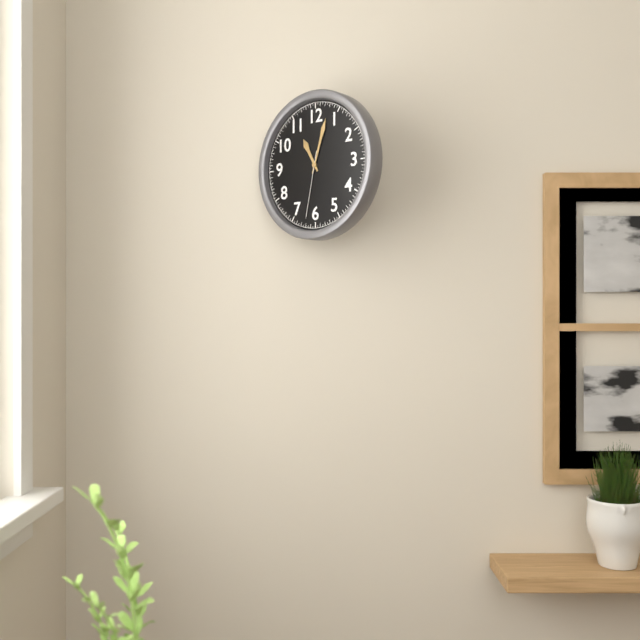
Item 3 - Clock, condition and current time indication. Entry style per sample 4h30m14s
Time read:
11h03m32s
